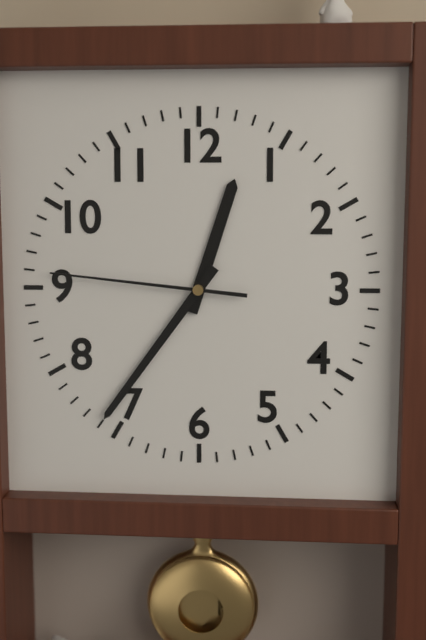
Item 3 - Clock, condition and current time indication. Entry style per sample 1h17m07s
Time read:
12h36m46s
